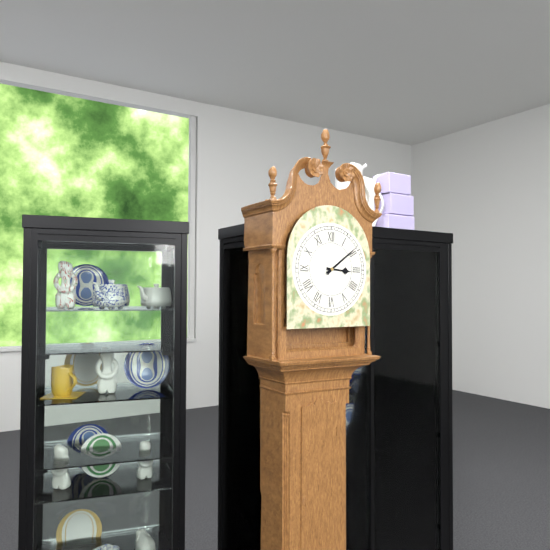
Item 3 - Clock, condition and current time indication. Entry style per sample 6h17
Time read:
3h09
